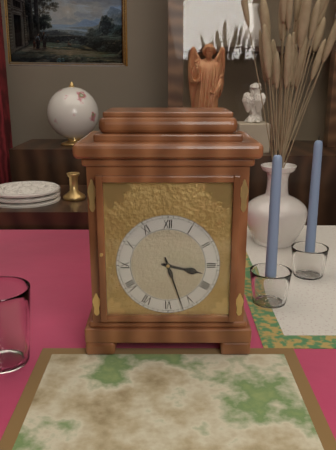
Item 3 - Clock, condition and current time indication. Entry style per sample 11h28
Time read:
3h27
